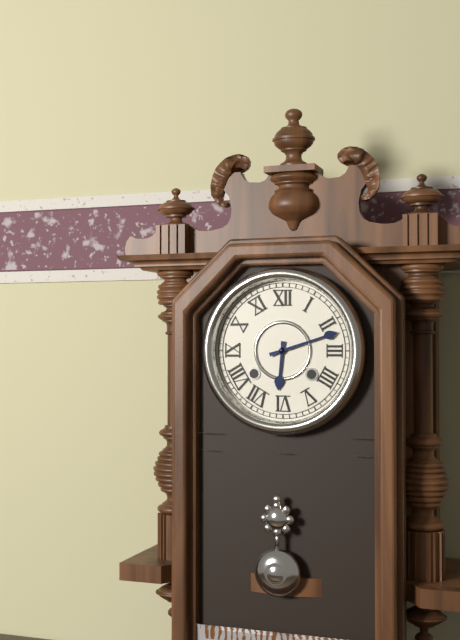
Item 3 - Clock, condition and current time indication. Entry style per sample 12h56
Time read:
6h12
